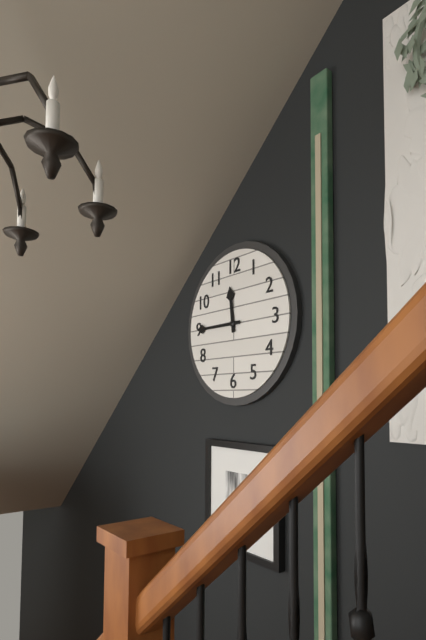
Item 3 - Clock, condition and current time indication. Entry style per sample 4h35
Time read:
11h45
